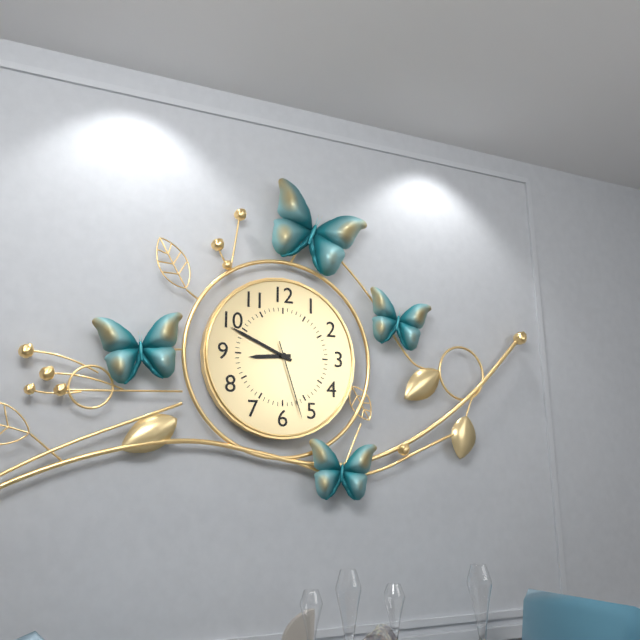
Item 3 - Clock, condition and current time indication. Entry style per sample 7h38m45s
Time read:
8h49m27s
